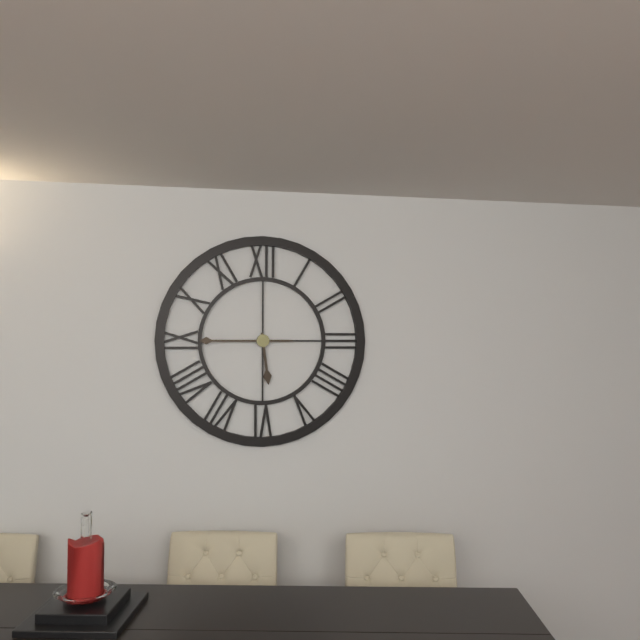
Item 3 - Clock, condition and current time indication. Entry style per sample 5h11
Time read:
5h45
